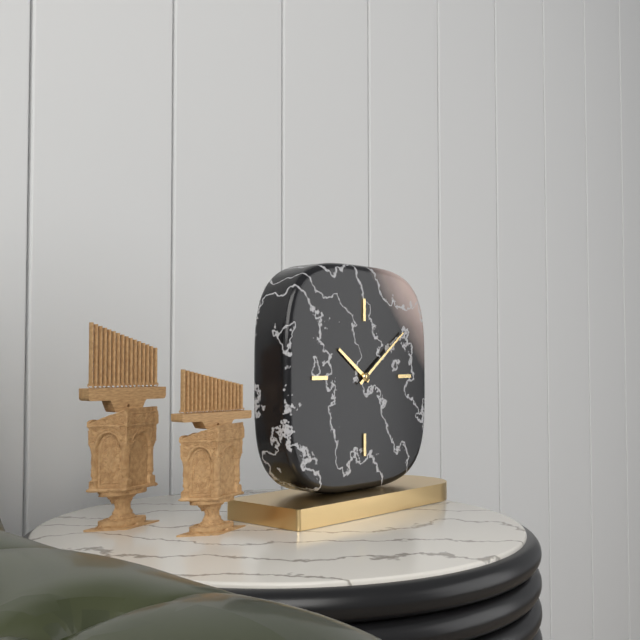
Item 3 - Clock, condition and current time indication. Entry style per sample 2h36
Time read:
10h09
